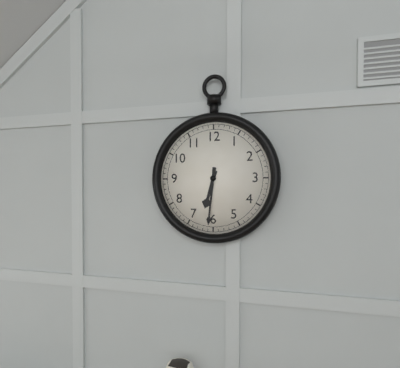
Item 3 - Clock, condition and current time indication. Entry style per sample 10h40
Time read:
6h31
